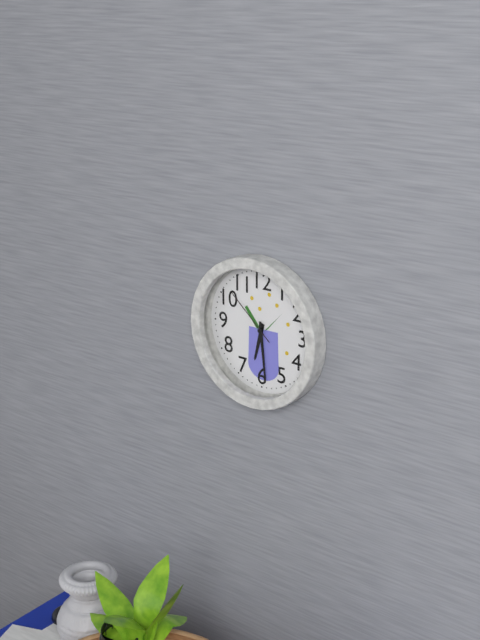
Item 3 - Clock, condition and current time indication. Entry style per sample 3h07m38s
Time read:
6h29m52s
